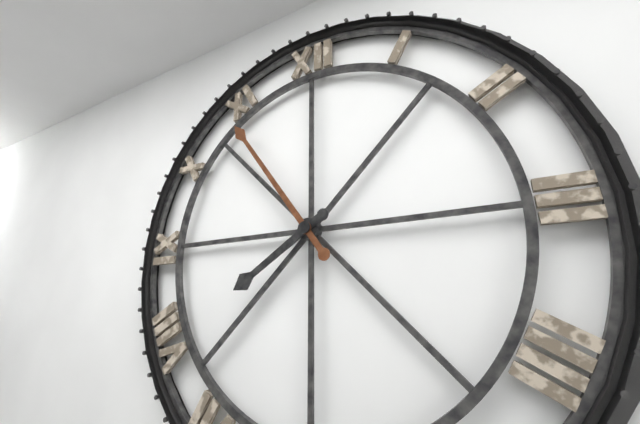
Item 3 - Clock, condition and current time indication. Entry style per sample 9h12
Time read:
7h54
